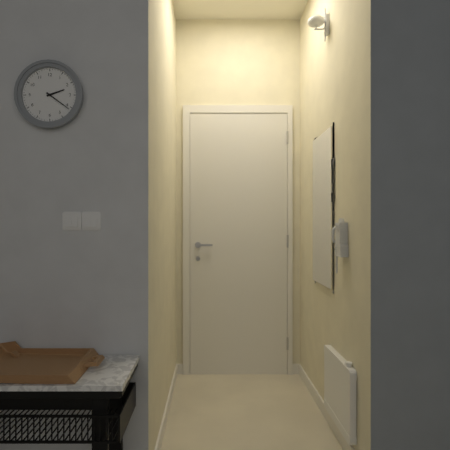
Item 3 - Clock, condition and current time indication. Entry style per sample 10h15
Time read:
2h21
